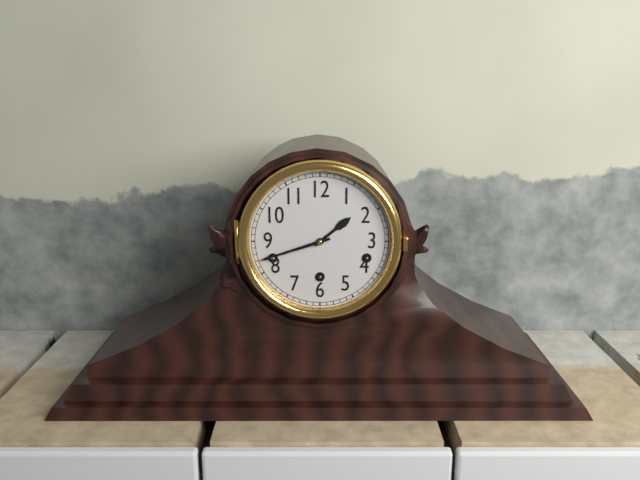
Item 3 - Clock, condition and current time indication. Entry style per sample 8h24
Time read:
1h42
